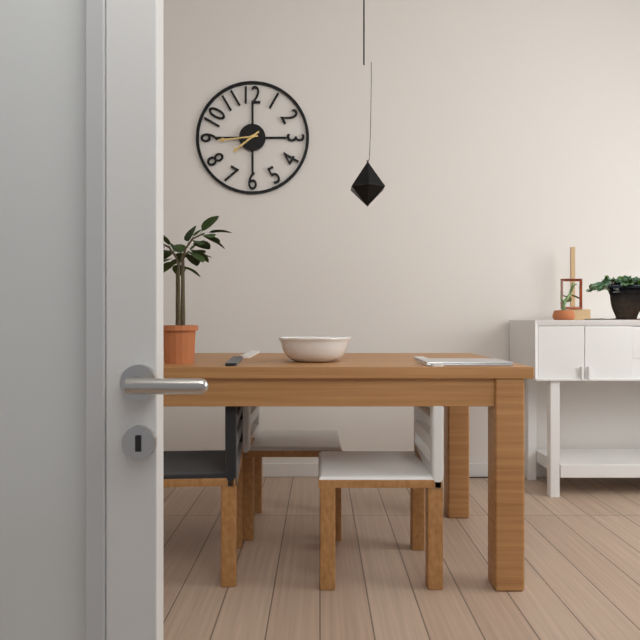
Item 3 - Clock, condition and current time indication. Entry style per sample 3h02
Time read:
7h44
